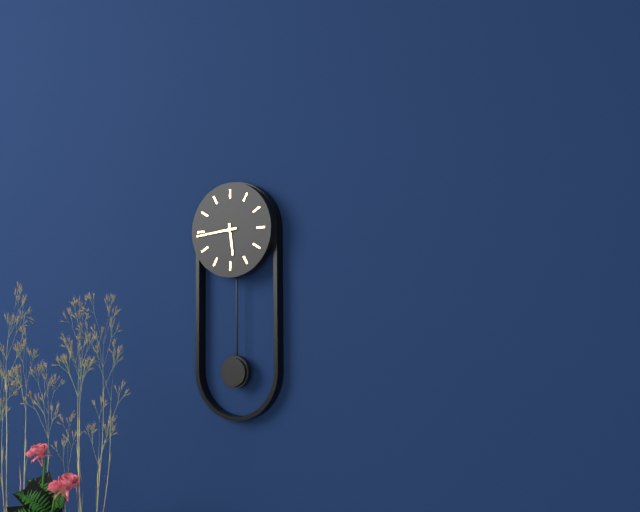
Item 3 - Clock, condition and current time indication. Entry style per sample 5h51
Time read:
5h44
